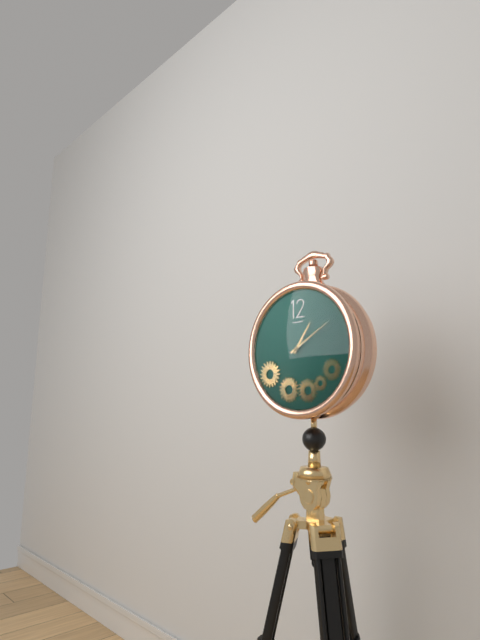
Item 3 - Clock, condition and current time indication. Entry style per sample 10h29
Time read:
1h10
